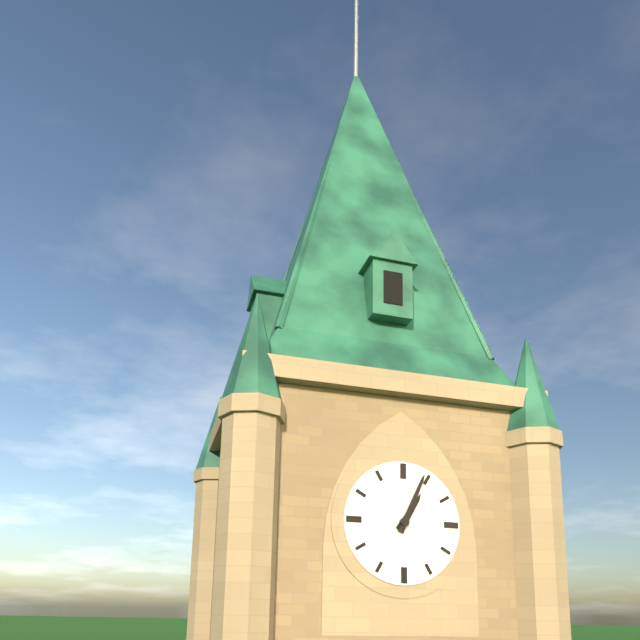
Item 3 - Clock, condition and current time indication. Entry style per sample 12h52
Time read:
1h04
